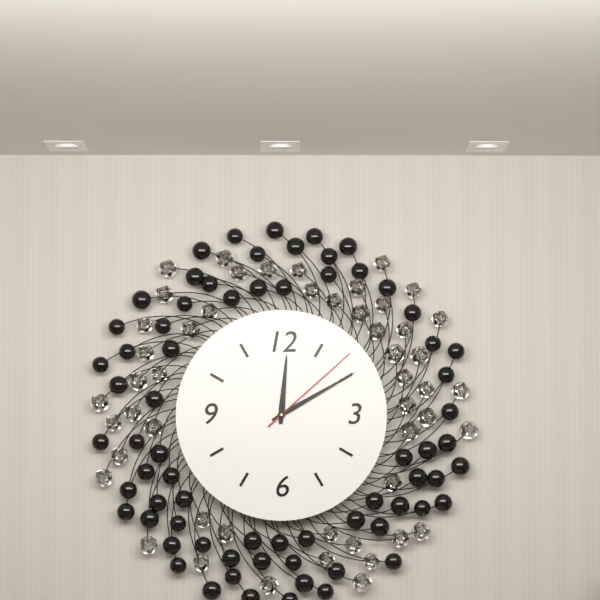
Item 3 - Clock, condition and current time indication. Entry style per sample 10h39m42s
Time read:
12h10m08s
